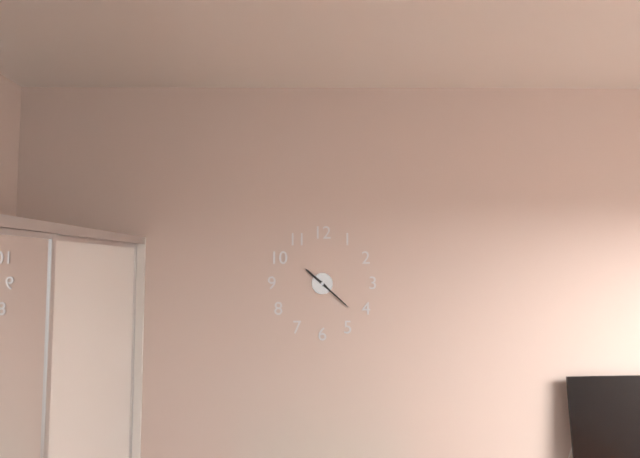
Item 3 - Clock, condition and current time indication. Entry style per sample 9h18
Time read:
10h22
